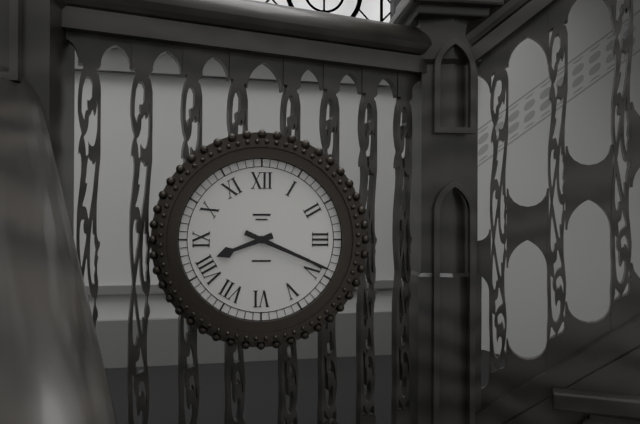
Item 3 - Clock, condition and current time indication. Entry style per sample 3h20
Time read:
8h19
